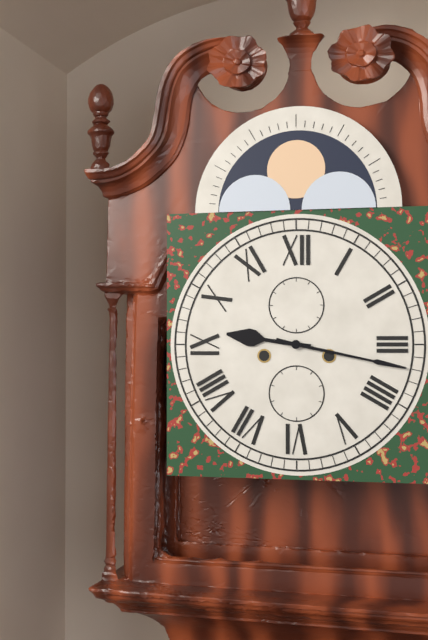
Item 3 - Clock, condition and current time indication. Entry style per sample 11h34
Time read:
9h17
